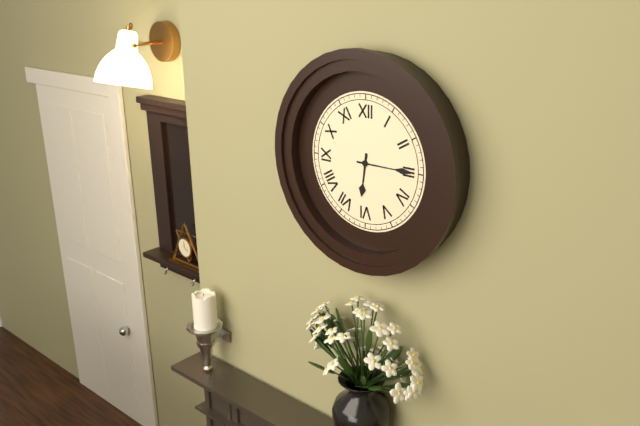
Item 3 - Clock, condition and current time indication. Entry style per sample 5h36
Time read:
6h15
